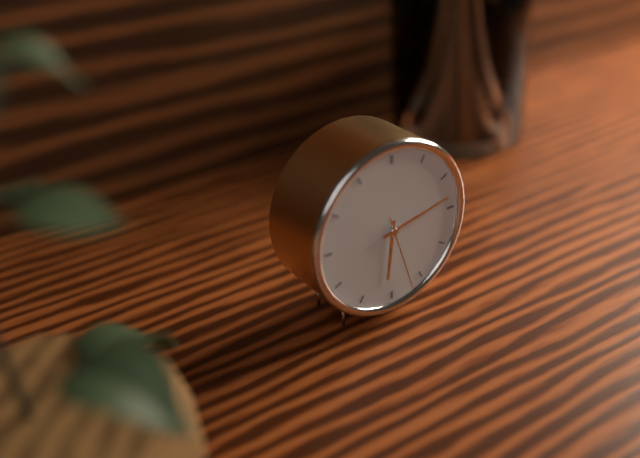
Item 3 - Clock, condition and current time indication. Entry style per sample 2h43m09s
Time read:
6h13m27s
